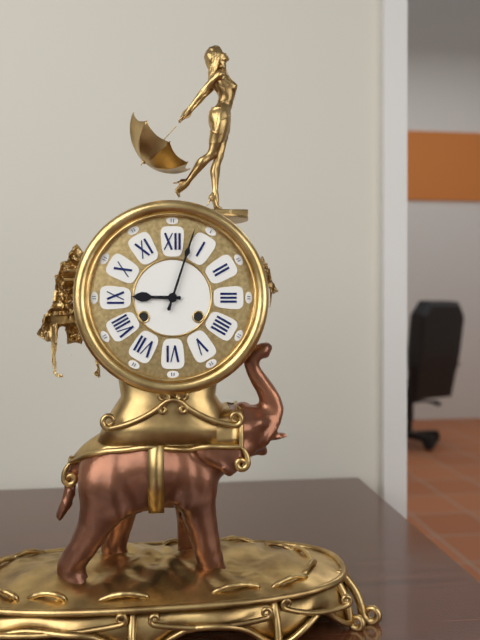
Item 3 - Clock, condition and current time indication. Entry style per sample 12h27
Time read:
9h03
